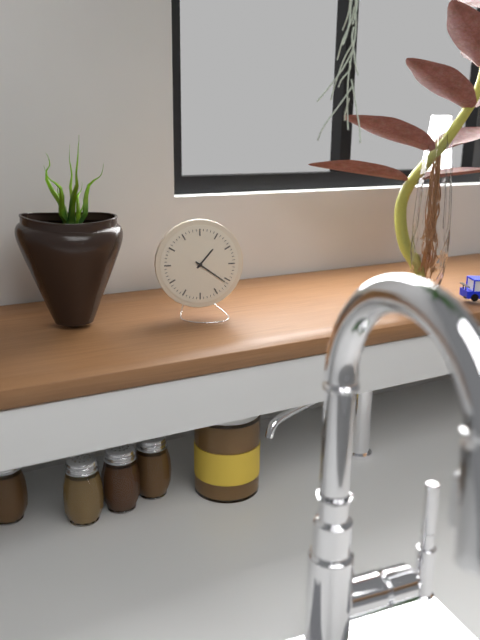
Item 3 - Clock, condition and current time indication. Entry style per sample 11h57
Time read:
1h21
